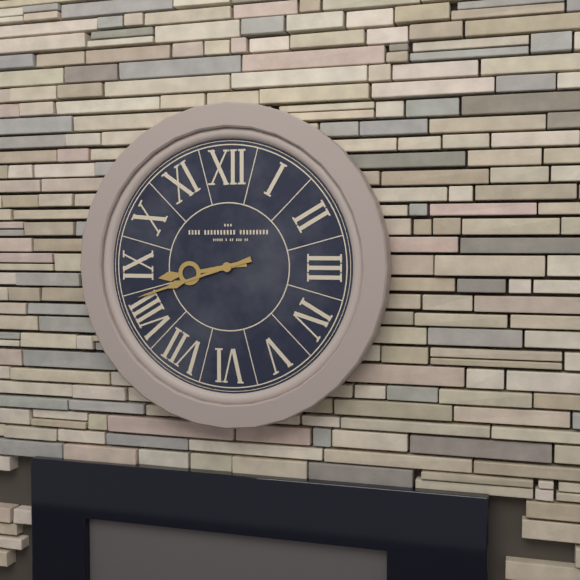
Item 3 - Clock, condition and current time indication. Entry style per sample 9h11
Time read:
8h42
